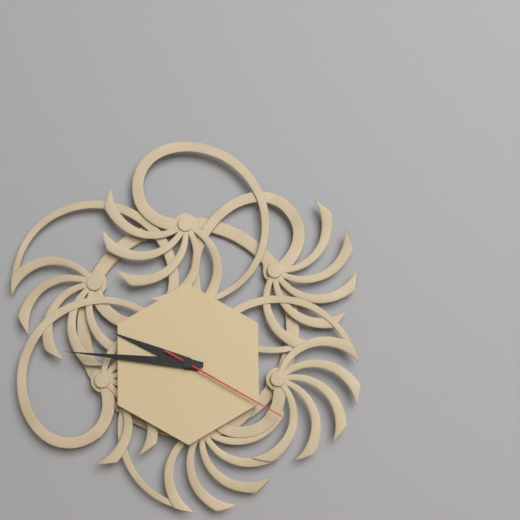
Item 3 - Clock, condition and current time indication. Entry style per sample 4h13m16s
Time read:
9h46m20s
